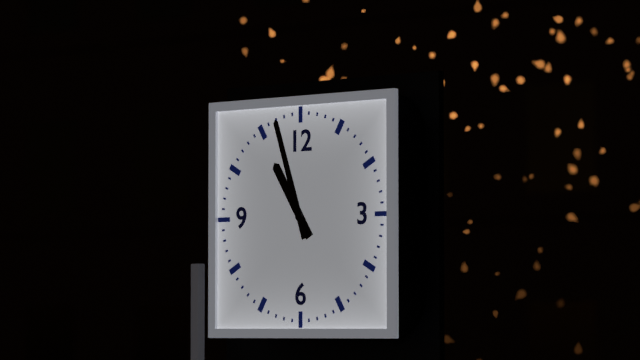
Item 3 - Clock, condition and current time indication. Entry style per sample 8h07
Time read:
10h57
